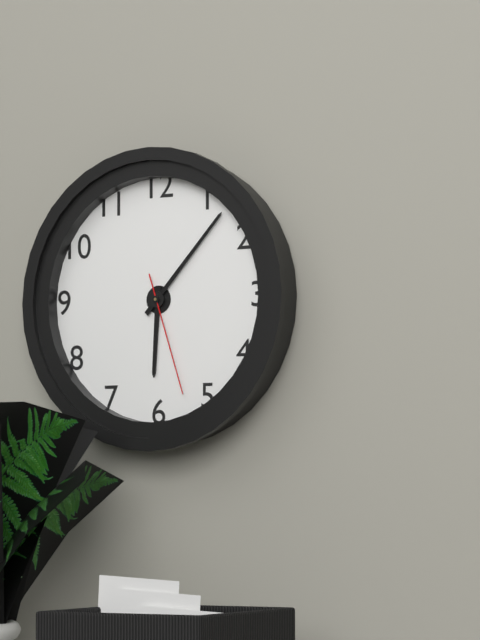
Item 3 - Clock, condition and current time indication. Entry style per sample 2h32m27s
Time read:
6h07m27s
